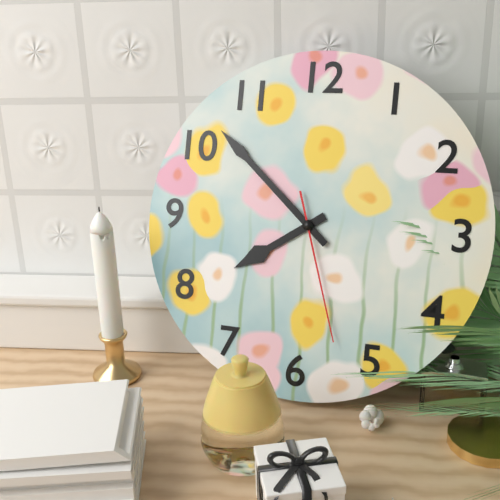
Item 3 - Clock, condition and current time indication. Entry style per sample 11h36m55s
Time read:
7h52m27s
